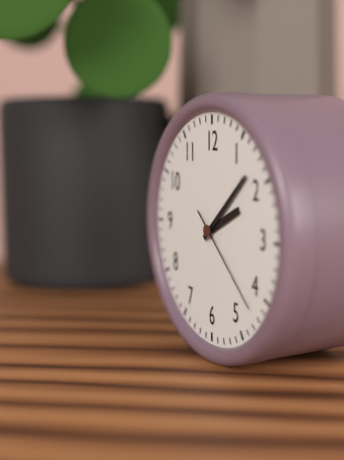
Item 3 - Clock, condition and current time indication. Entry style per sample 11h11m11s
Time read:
2h08m22s
